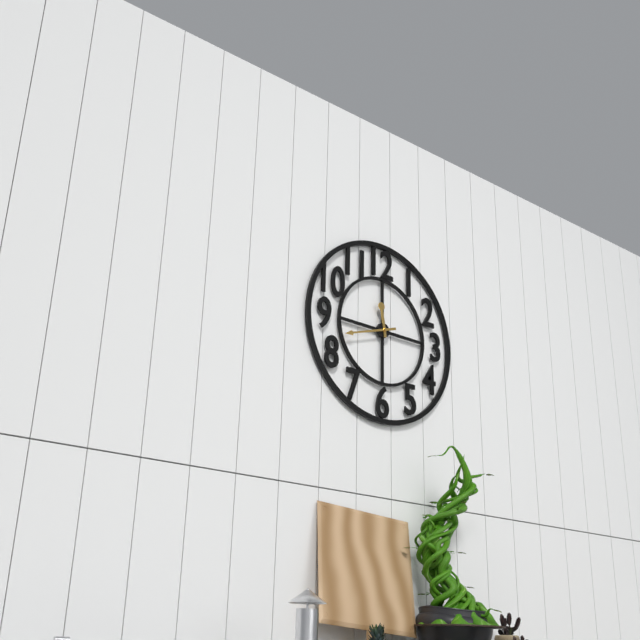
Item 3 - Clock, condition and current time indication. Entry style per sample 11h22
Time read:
11h42
